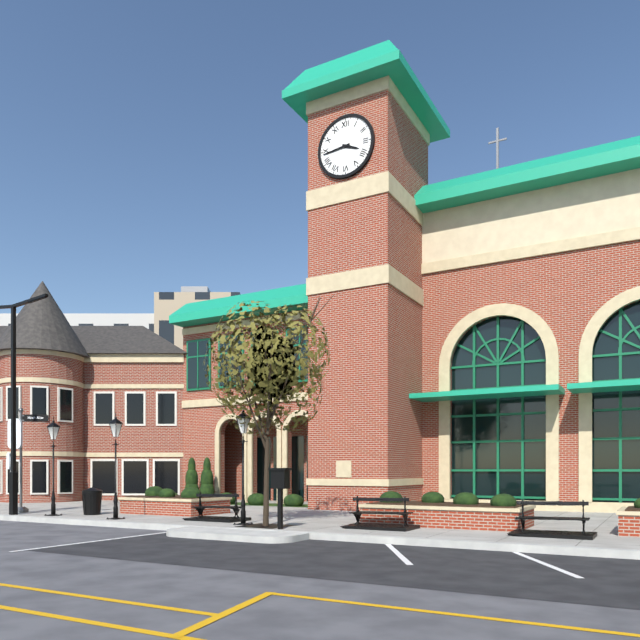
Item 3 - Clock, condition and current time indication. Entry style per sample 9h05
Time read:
3h44
